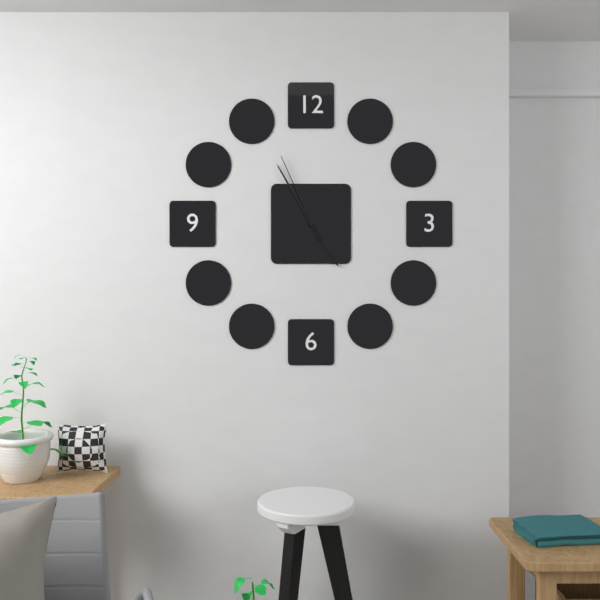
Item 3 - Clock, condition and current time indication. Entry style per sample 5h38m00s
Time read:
4h55m56s
